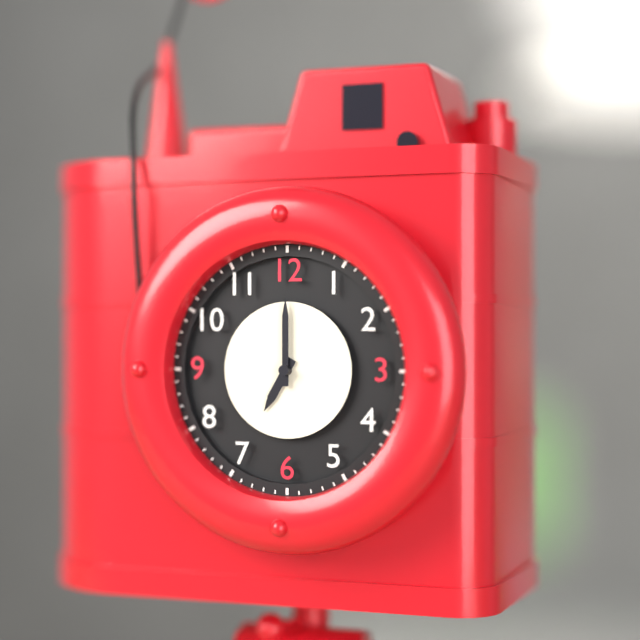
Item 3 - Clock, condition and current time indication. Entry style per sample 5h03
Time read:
7h00
